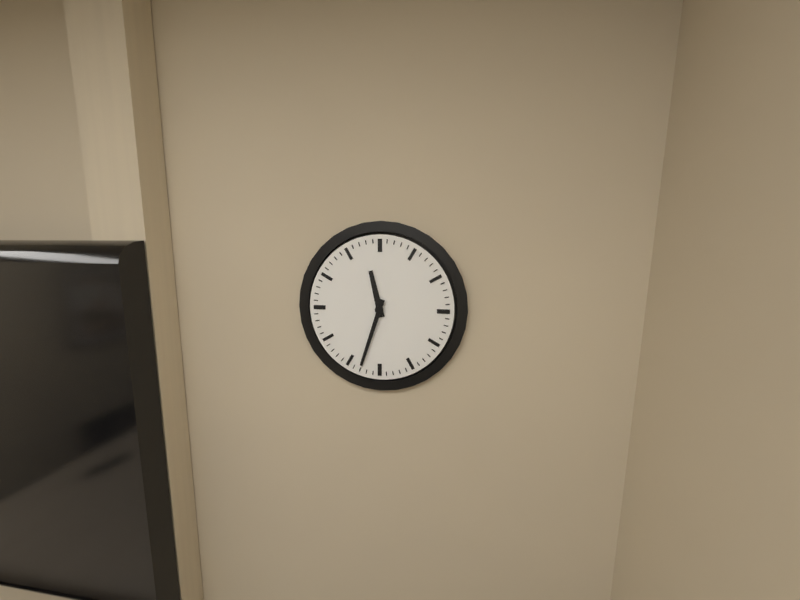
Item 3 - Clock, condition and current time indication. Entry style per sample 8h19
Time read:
11h33
